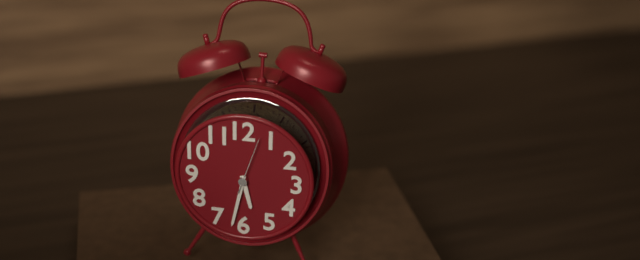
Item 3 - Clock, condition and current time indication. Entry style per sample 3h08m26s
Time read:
5h32m03s
